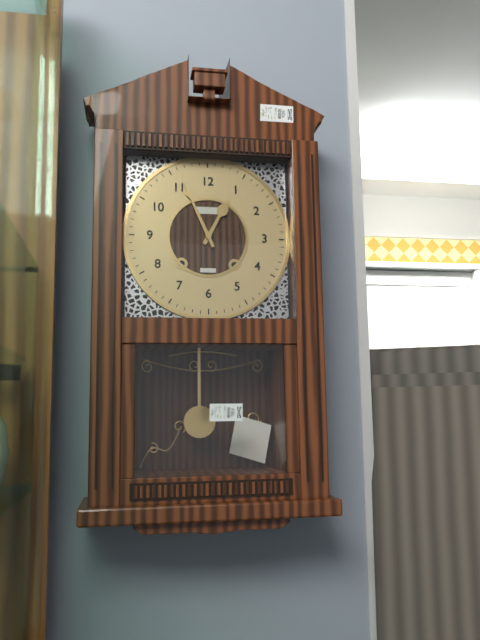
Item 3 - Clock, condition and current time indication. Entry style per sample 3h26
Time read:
12h56
